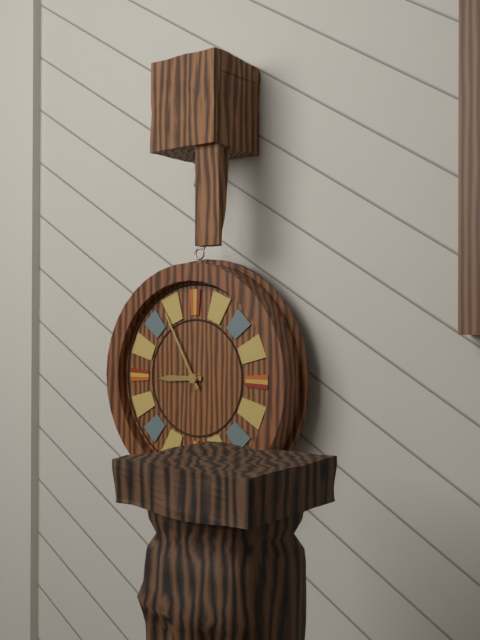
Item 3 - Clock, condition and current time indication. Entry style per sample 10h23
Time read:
8h55
